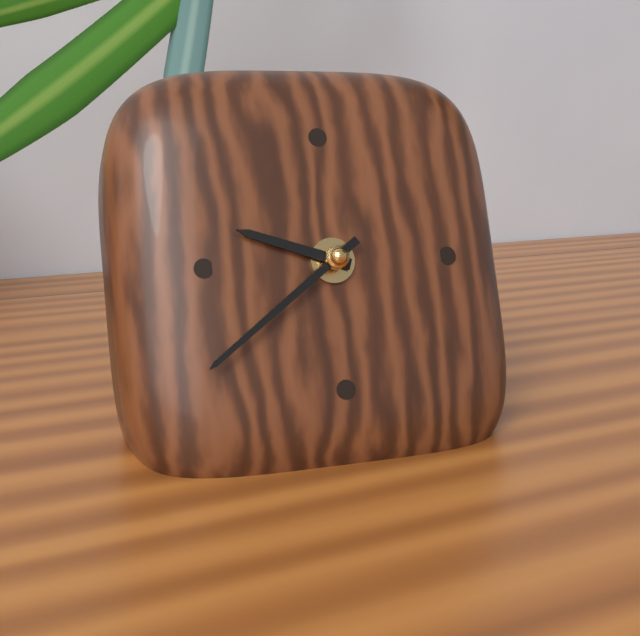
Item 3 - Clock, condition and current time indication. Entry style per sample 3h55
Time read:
9h39
